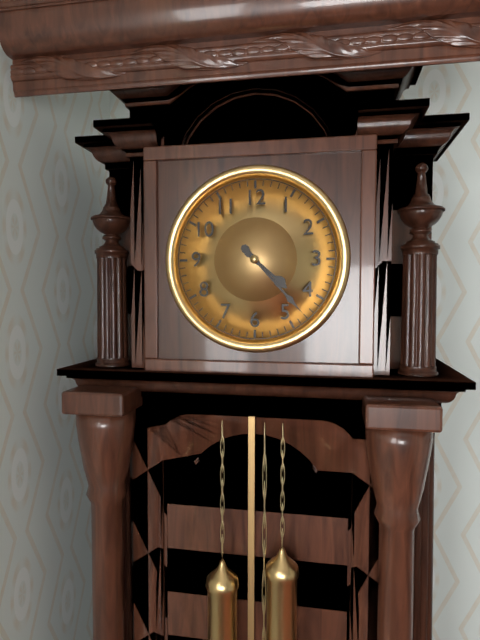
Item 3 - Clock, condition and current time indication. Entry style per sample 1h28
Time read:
4h23
